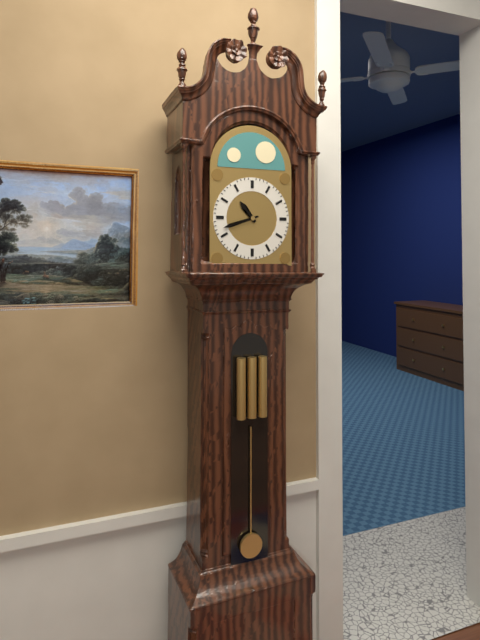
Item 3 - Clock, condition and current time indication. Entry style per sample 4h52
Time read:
10h42
